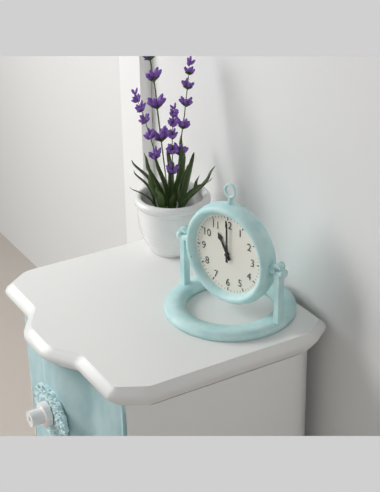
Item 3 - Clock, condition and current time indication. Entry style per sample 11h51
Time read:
11h00
